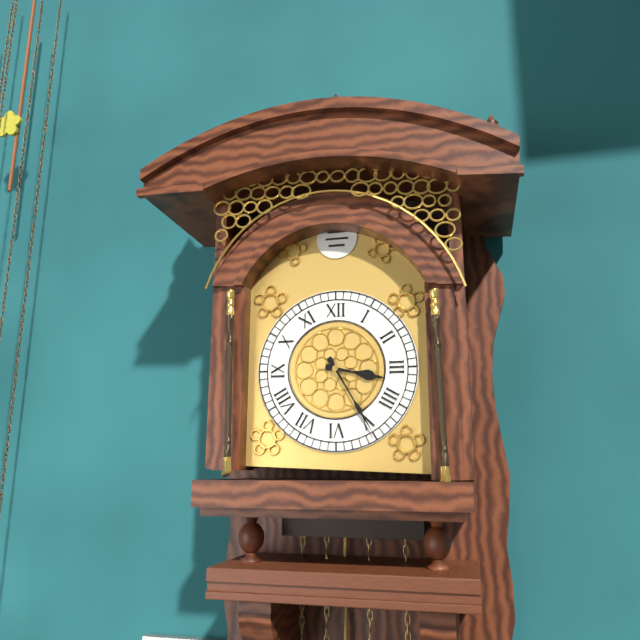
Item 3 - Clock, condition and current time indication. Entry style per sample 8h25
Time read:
3h25
